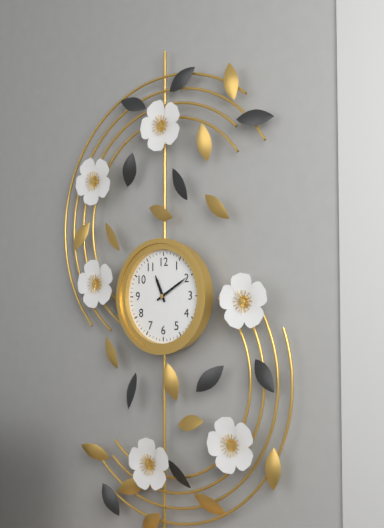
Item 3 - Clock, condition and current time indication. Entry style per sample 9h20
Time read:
11h10
